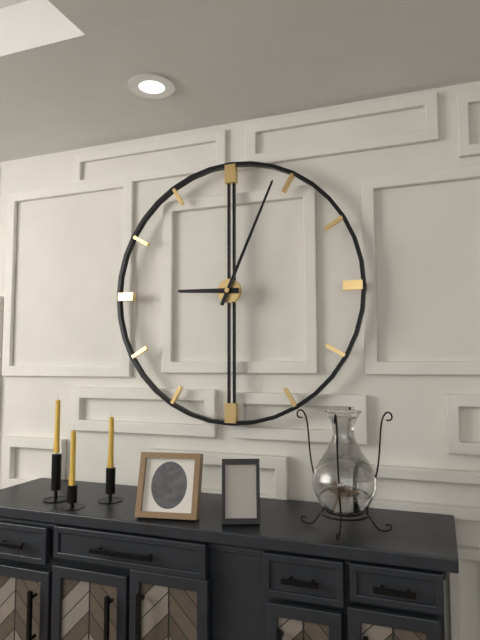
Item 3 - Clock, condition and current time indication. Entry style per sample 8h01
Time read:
9h04
